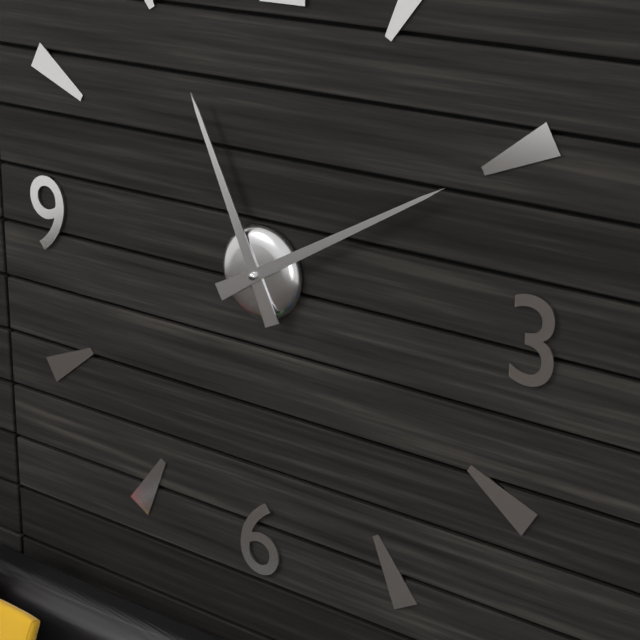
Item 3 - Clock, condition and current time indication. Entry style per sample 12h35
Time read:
11h10
